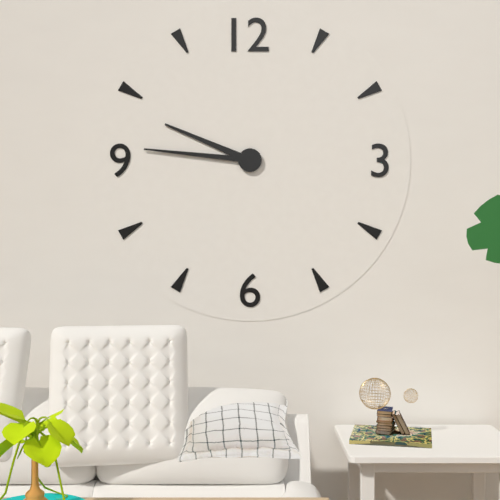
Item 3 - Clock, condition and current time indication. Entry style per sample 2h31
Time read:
9h46
